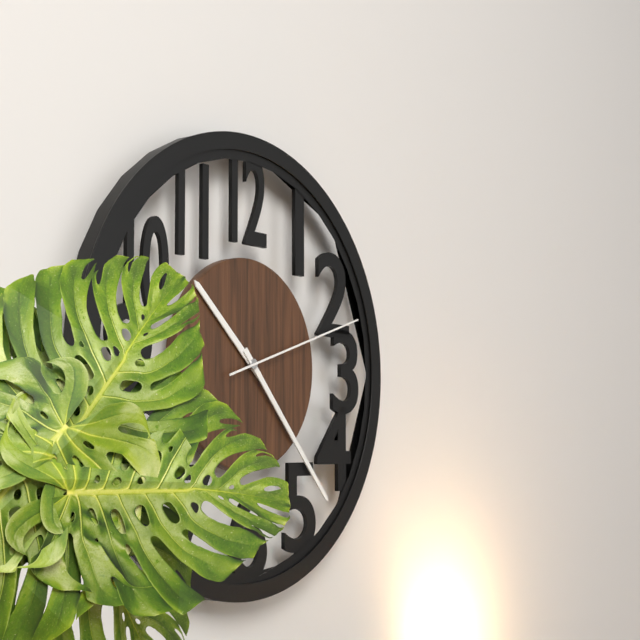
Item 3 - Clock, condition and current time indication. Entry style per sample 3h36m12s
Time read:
10h23m12s
